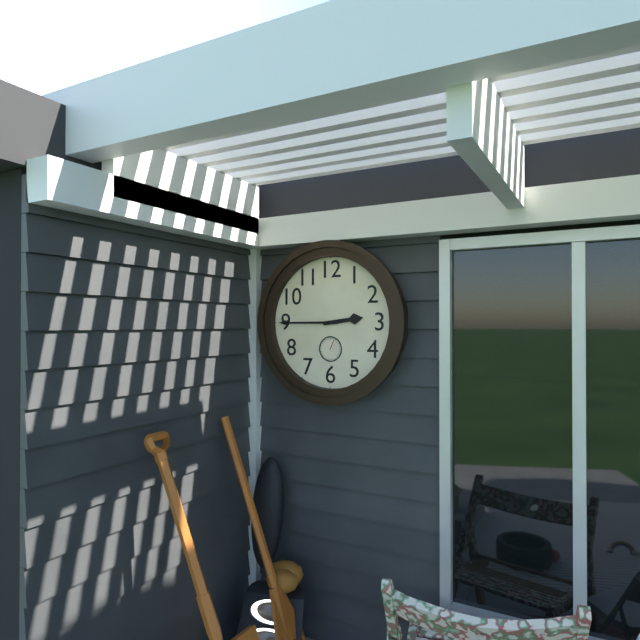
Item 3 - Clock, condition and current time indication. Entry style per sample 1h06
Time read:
2h45
